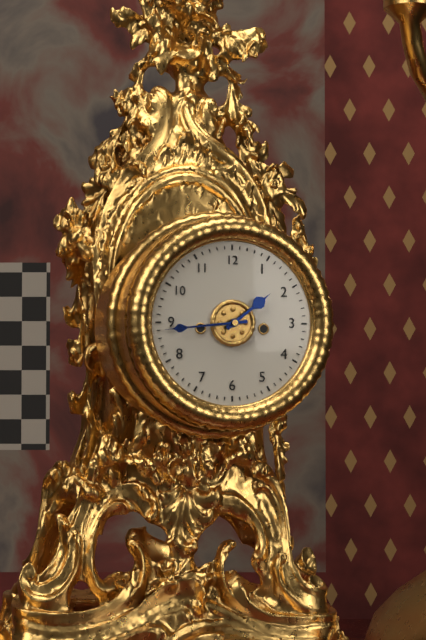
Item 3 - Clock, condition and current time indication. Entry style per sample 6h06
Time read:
1h44
